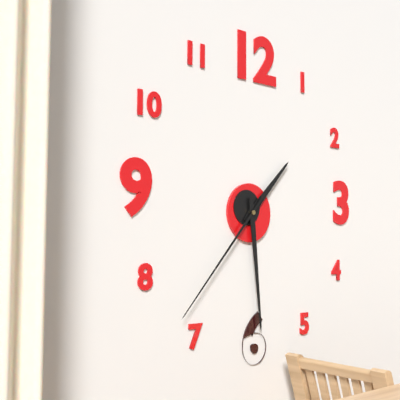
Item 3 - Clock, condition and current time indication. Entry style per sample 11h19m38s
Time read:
1h29m37s
